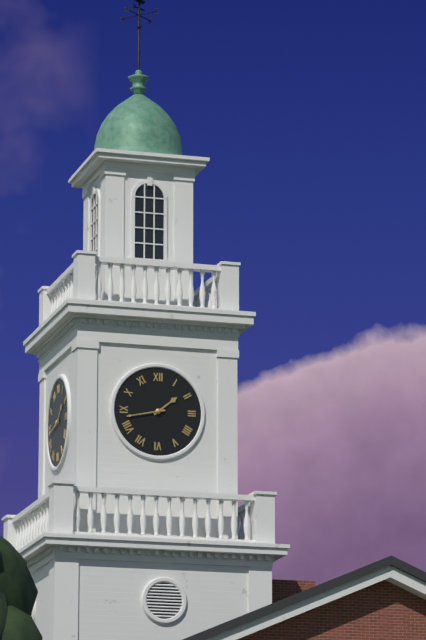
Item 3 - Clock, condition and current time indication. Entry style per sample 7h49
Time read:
1h43
